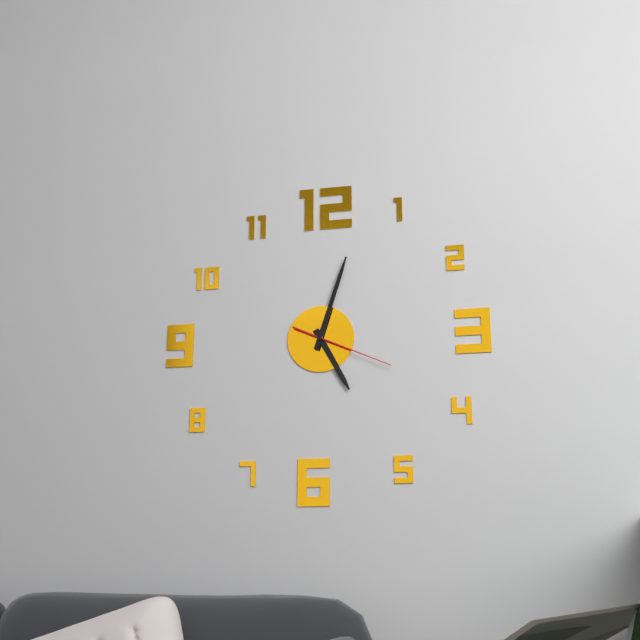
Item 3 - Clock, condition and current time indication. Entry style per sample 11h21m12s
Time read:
5h03m19s
